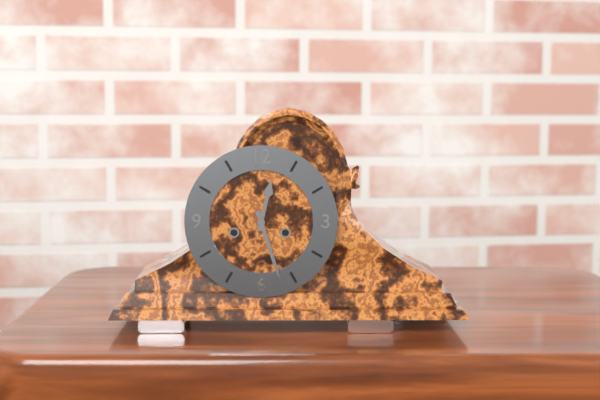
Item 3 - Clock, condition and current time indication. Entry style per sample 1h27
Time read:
12h27
